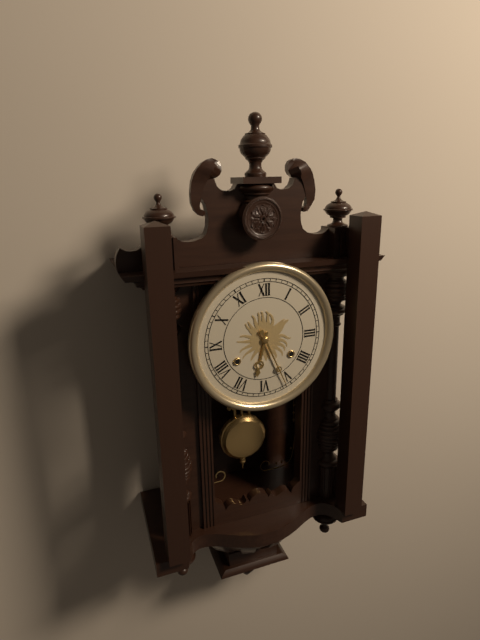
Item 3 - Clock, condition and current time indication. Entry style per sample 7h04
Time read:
6h26
